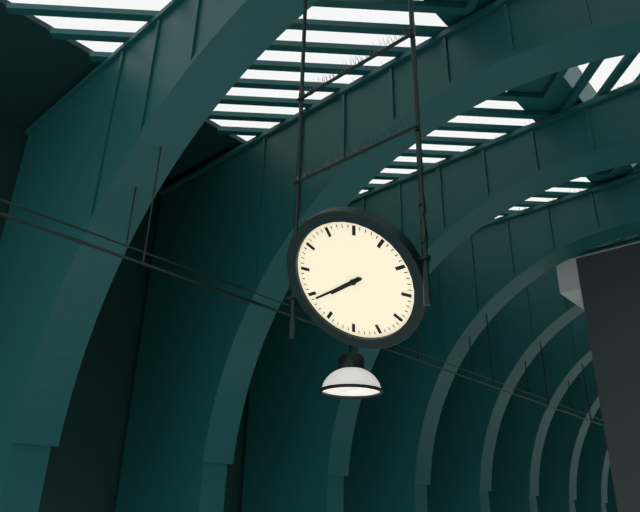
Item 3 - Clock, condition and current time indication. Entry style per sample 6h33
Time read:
8h44
